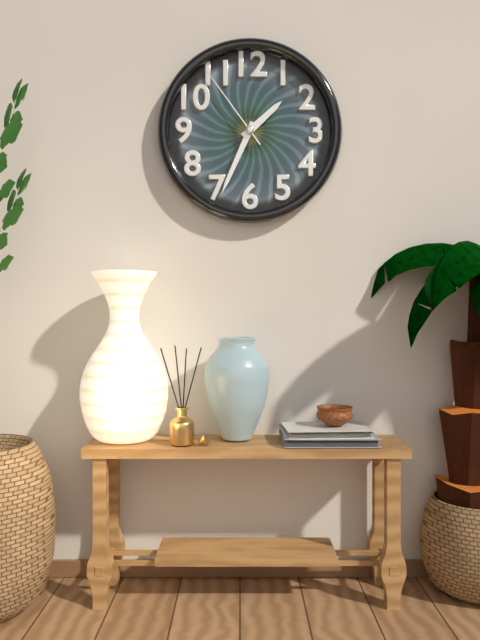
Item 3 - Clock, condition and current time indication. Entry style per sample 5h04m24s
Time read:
1h34m54s
